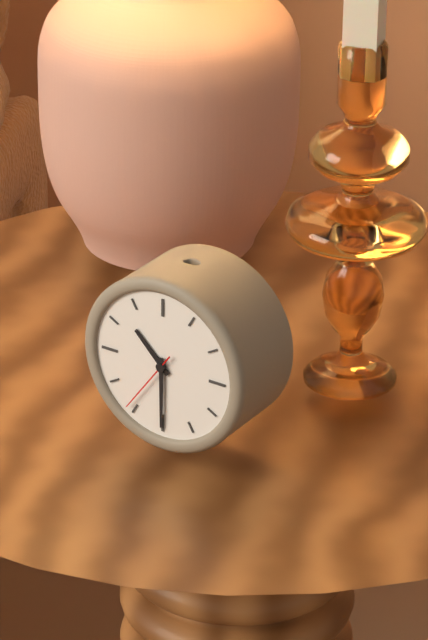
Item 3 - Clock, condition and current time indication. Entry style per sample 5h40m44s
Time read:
10h30m36s
